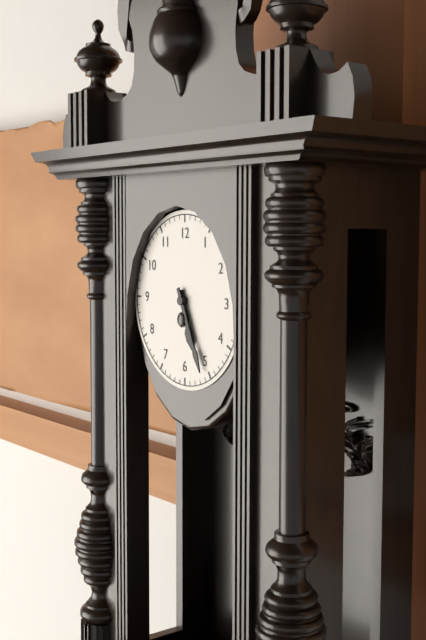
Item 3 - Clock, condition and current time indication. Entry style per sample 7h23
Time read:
5h26
